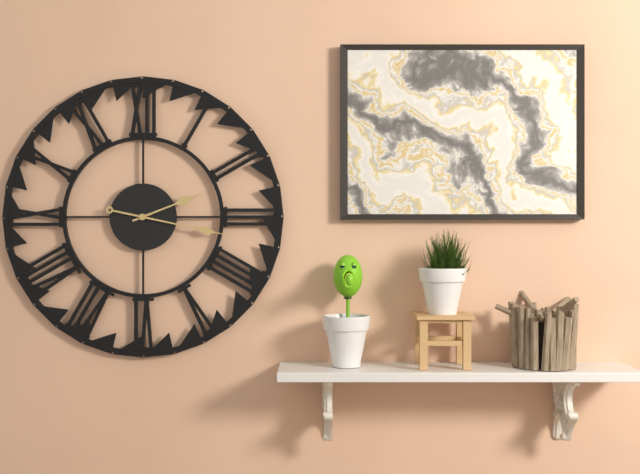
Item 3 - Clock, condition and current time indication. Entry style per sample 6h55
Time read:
2h17
